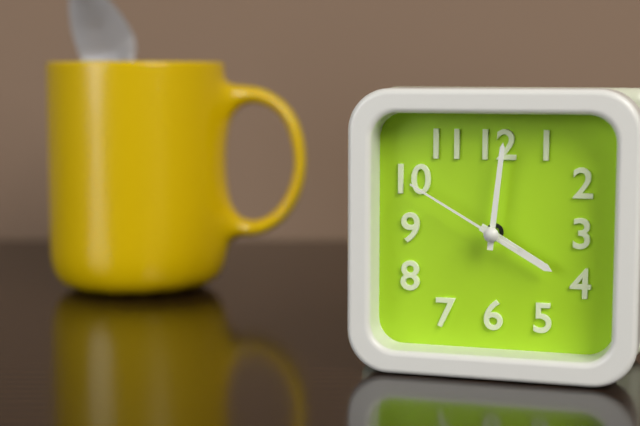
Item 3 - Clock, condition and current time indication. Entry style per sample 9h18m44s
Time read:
4h01m50s
